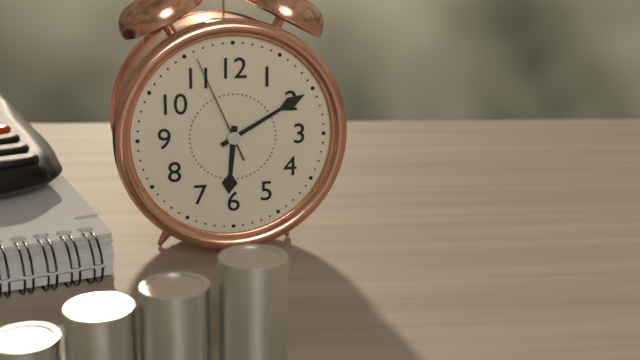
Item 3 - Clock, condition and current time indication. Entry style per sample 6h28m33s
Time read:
6h10m56s
